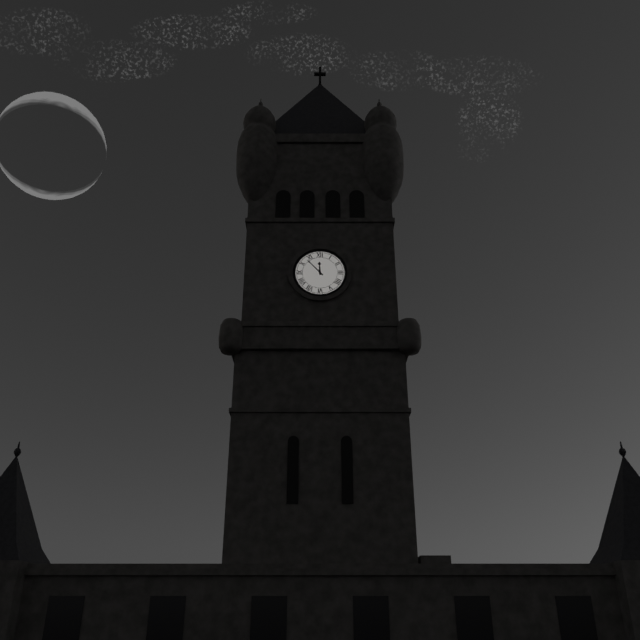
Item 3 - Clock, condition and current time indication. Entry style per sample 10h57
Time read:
11h53
